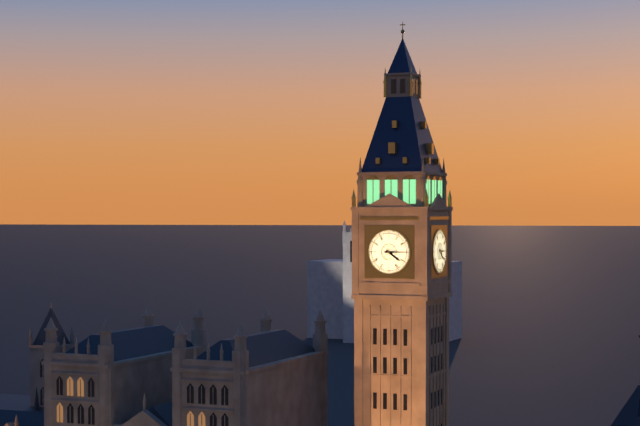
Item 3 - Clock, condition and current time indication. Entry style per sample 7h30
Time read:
4h15
